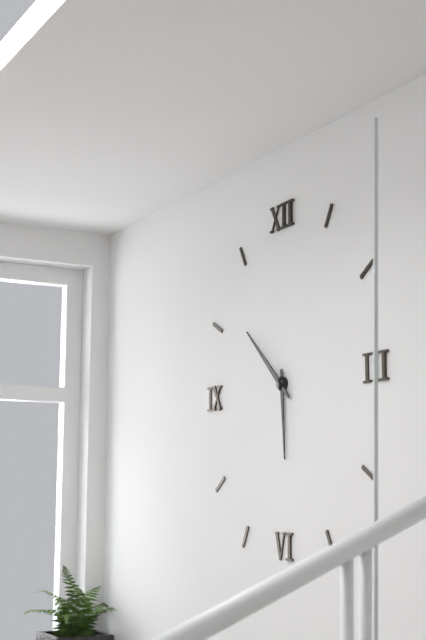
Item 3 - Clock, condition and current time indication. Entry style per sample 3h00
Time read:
5h52
